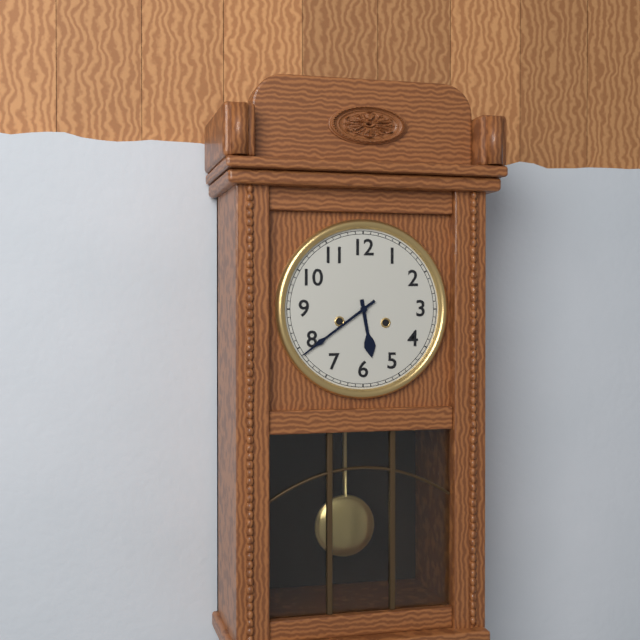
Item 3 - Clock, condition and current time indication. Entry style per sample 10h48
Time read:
5h39
